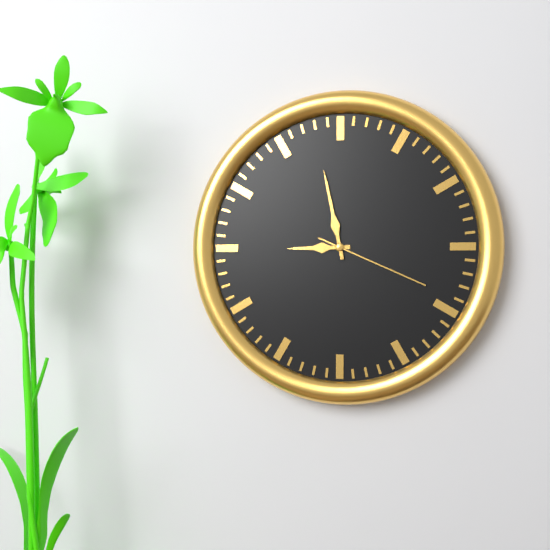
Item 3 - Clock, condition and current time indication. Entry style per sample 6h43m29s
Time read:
8h58m19s
